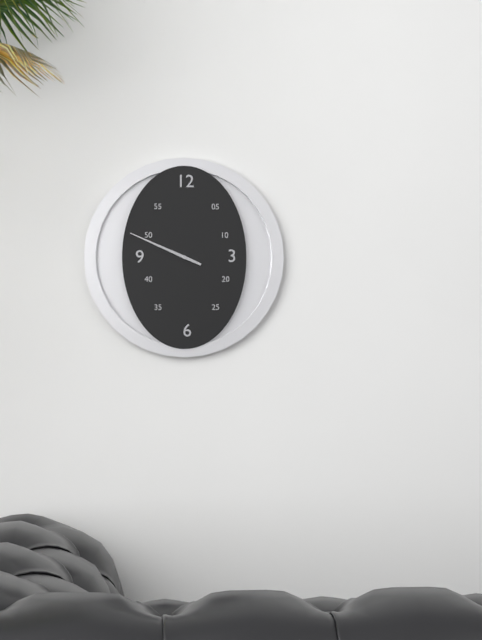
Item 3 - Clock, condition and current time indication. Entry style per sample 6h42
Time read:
9h49
